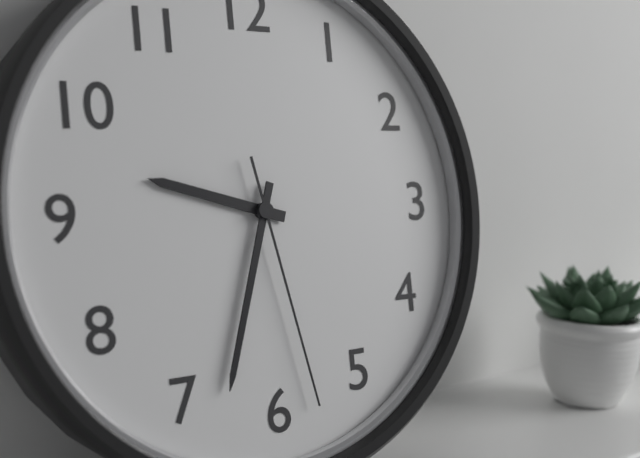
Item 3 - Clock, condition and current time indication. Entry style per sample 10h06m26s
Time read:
9h33m28s
